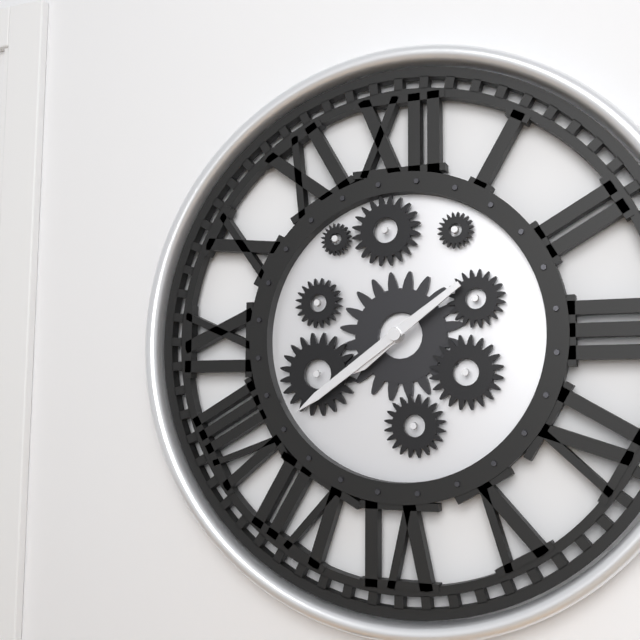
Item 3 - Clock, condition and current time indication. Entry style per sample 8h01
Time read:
7h39
